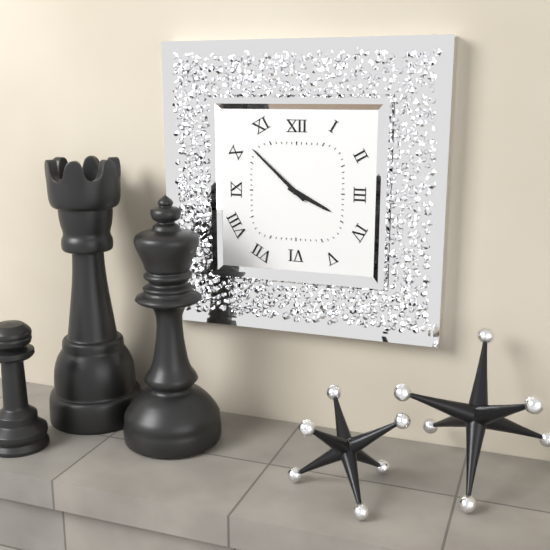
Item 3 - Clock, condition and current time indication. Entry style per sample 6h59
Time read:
3h52
